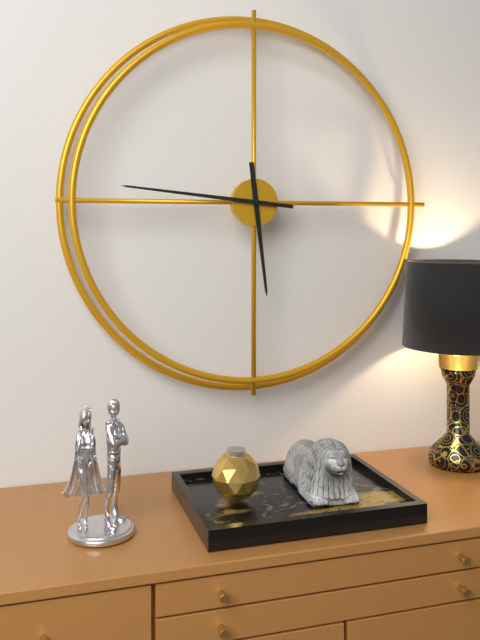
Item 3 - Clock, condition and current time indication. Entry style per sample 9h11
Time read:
5h46
